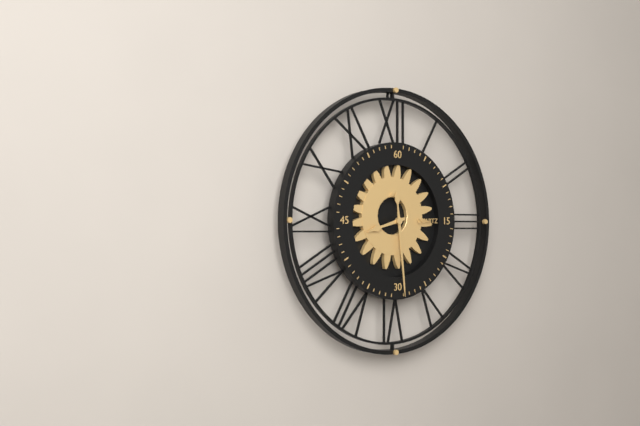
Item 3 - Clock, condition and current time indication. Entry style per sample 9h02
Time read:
8h29
